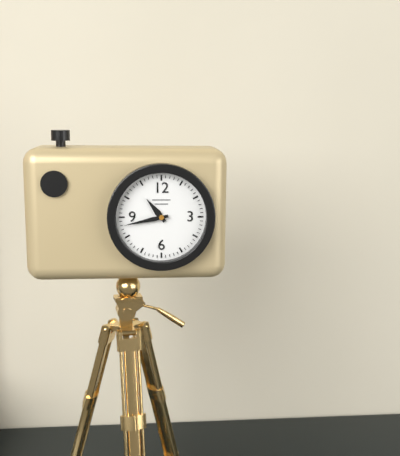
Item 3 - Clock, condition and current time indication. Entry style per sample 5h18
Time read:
10h43
